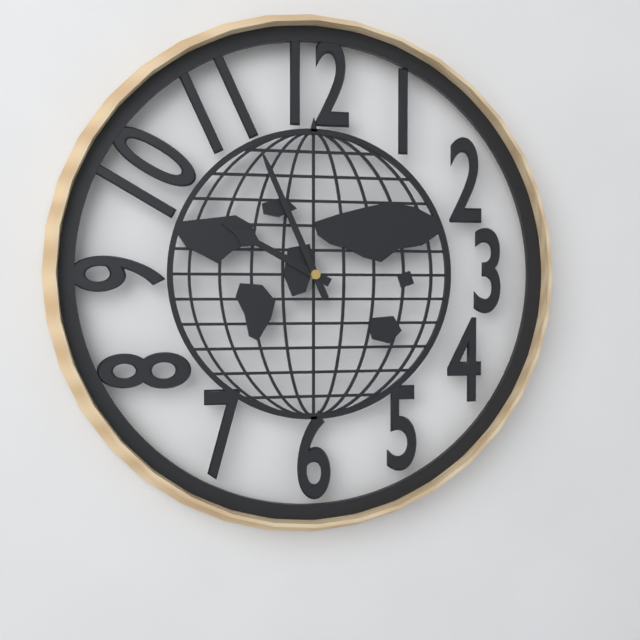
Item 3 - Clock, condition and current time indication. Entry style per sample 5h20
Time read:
9h56
